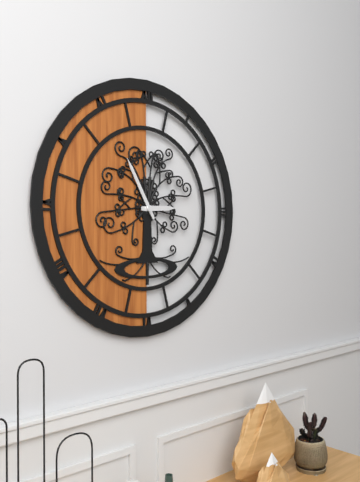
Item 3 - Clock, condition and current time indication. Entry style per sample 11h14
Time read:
2h55
